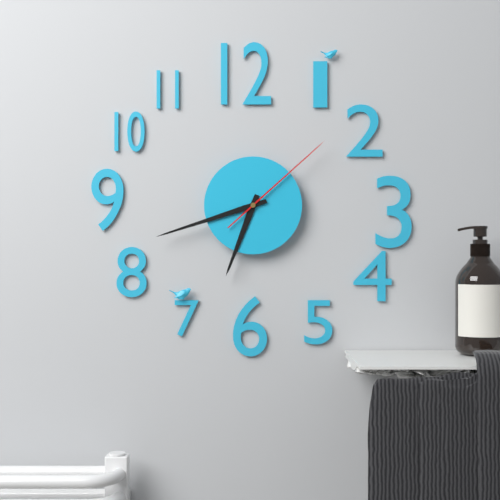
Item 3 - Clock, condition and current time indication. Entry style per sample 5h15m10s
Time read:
6h42m08s
